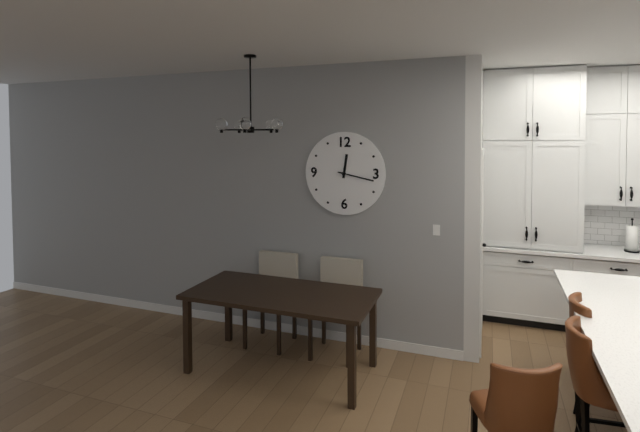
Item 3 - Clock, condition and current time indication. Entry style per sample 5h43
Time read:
12h17
